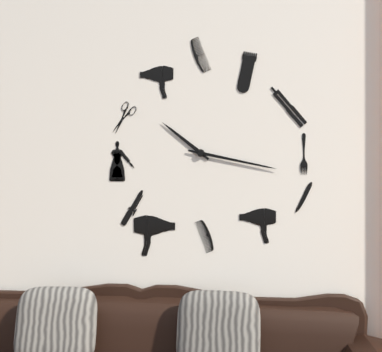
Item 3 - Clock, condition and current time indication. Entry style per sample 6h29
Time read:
10h17
